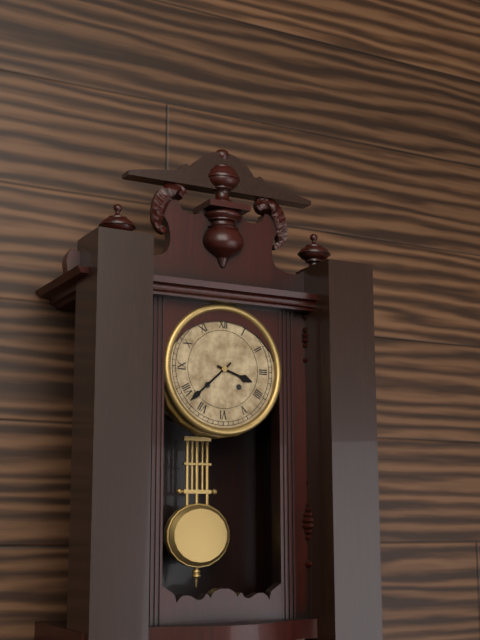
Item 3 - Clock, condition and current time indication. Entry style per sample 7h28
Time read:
3h38
